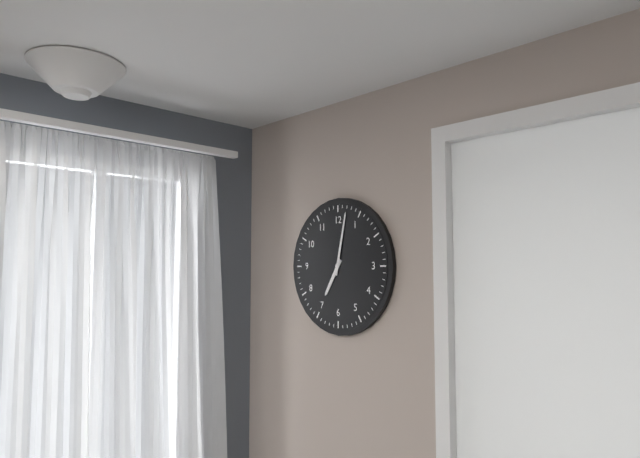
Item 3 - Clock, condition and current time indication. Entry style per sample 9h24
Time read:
7h02
